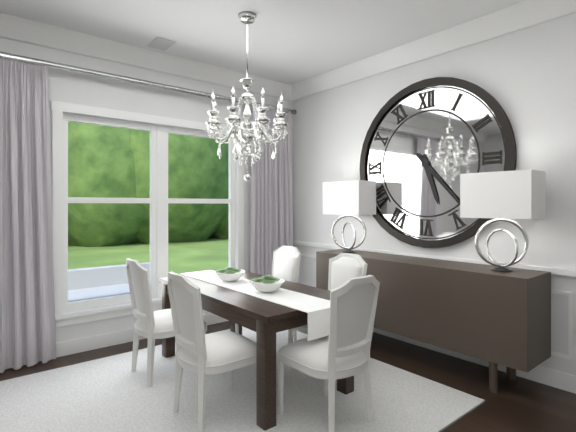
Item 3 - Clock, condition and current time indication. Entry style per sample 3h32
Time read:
5h23
